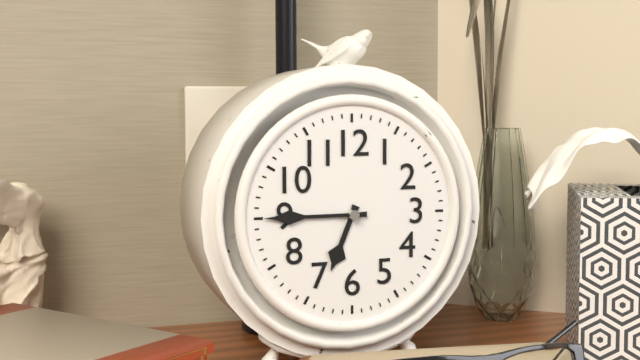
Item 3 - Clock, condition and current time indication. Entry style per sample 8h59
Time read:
6h45
